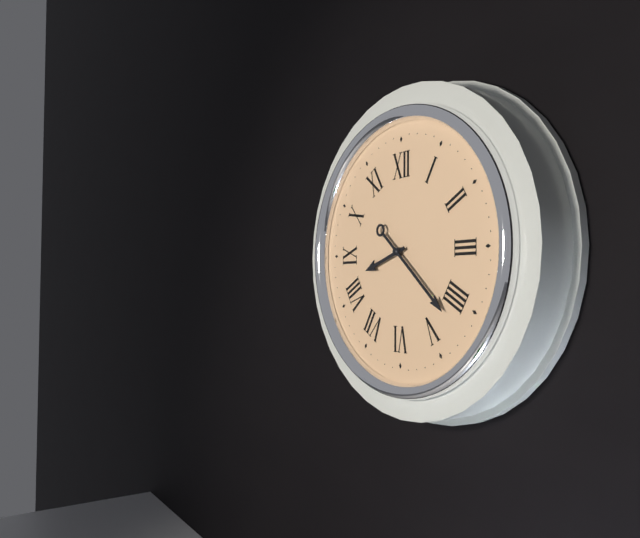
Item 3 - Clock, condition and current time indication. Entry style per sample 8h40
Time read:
8h22
